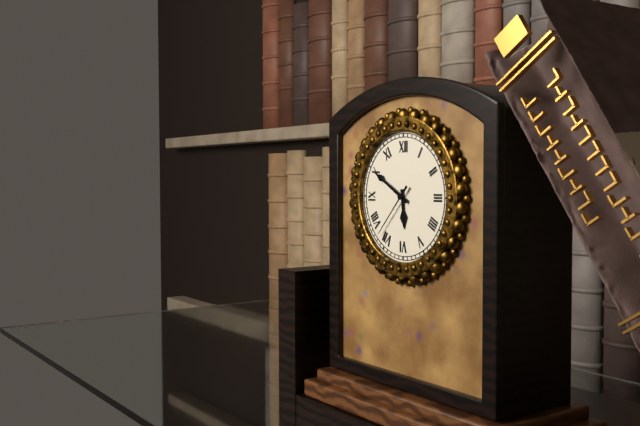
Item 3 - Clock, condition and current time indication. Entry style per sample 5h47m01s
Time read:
5h50m37s
